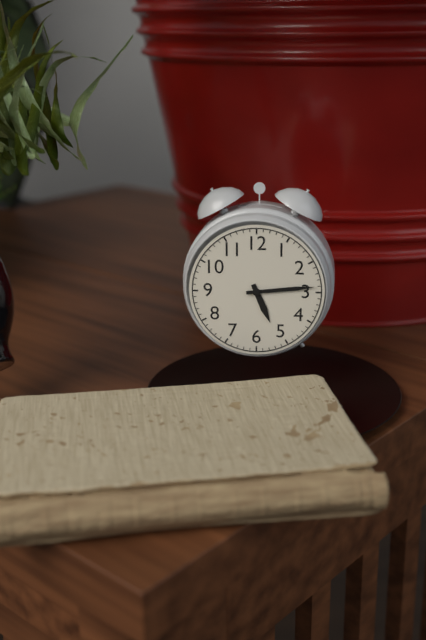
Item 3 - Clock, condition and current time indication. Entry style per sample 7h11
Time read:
5h14
